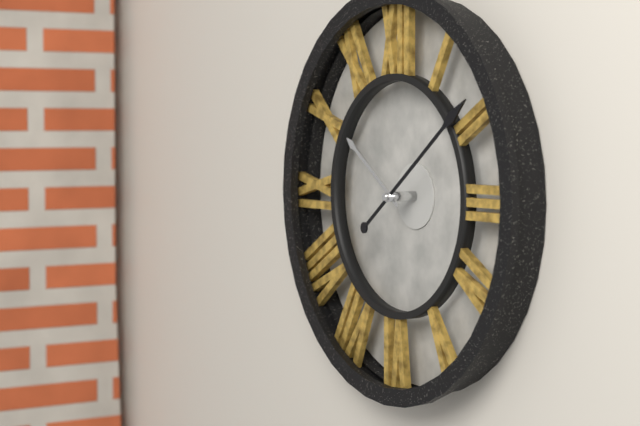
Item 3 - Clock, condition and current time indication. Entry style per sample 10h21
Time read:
10h09
